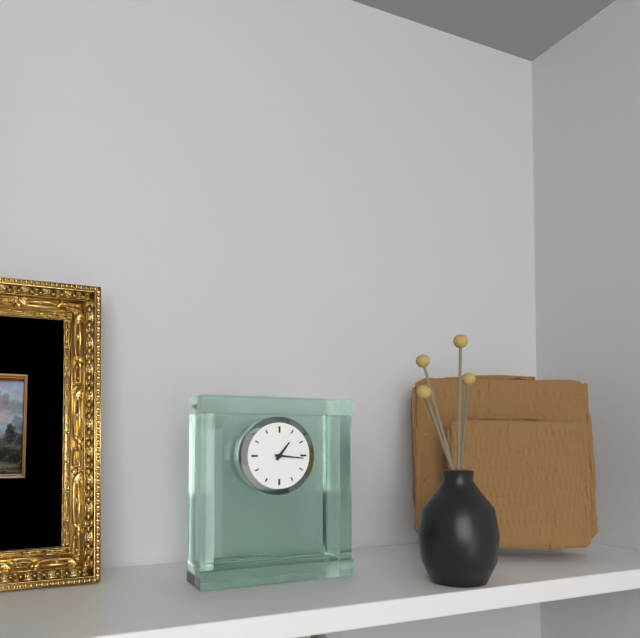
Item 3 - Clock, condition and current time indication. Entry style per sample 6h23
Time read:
1h16
